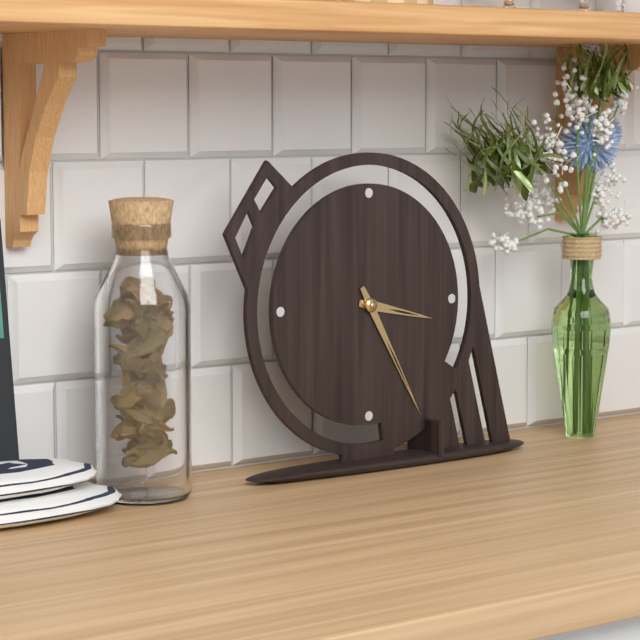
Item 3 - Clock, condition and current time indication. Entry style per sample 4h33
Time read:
3h25
